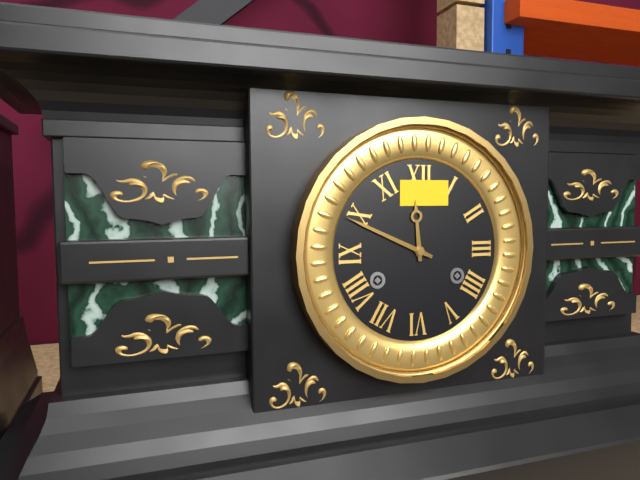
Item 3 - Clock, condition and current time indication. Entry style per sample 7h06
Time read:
11h49
